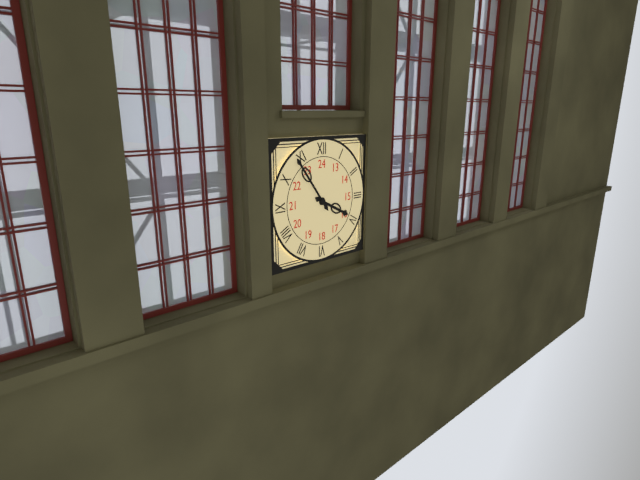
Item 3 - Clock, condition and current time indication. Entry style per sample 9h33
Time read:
3h54
